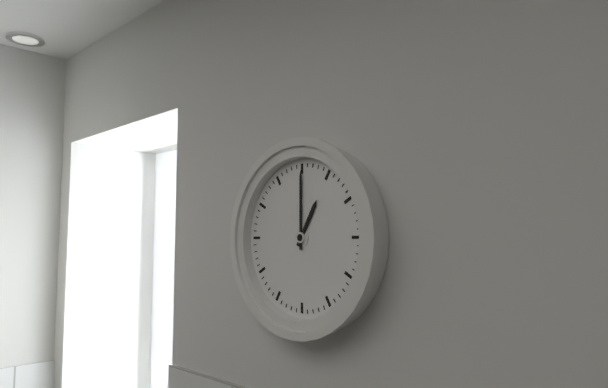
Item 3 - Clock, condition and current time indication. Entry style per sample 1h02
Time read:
1h00
